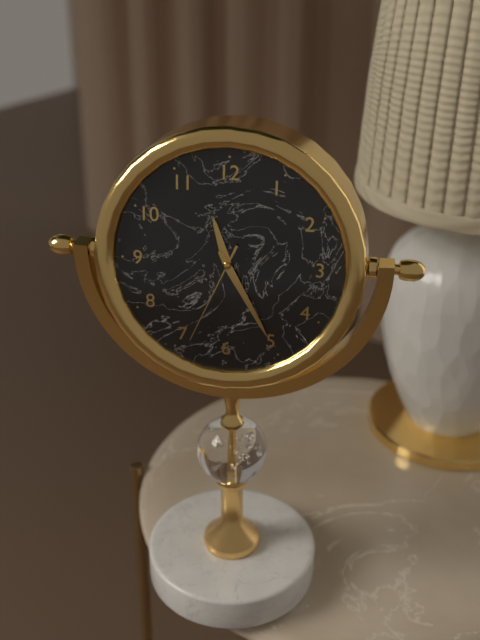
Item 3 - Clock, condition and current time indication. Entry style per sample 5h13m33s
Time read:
11h25m34s
